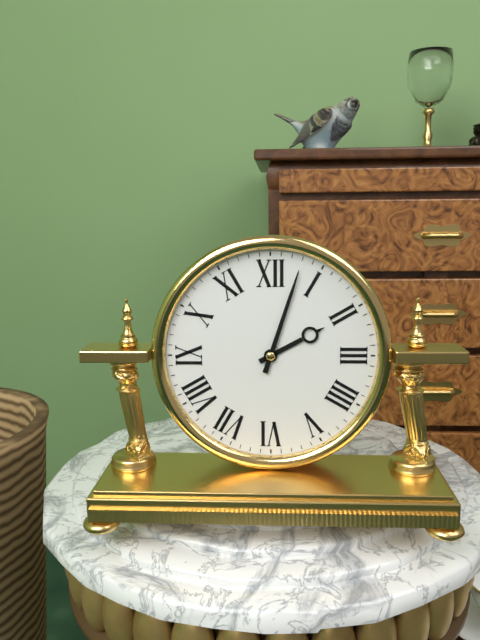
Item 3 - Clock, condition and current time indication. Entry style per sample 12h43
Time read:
2h03
